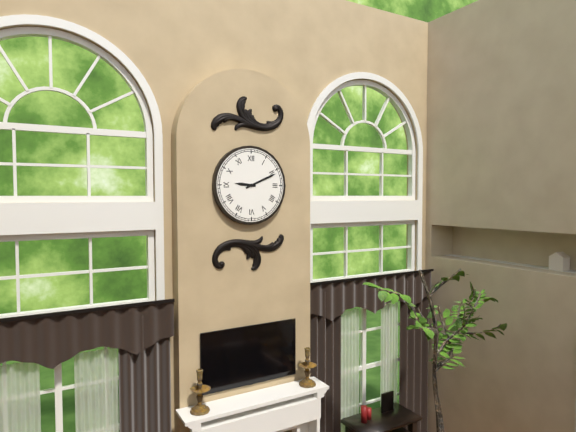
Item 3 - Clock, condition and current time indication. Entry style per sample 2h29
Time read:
9h11
